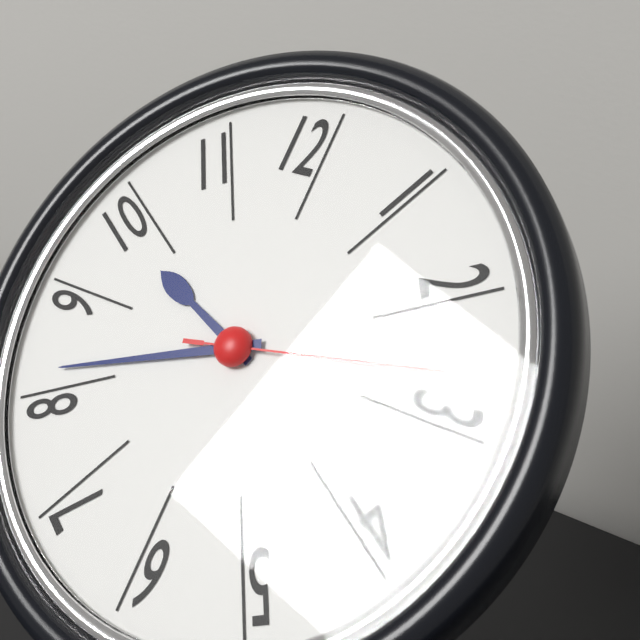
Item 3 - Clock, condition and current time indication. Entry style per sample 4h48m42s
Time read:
9h41m13s
